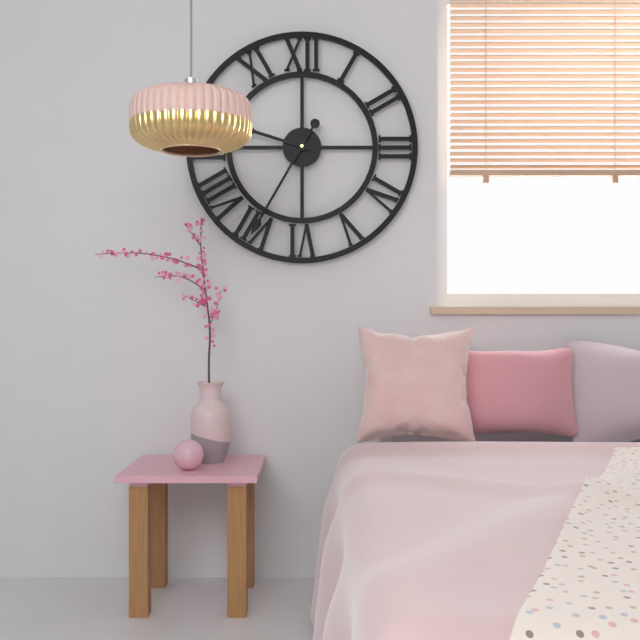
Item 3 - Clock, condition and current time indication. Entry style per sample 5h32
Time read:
9h35
